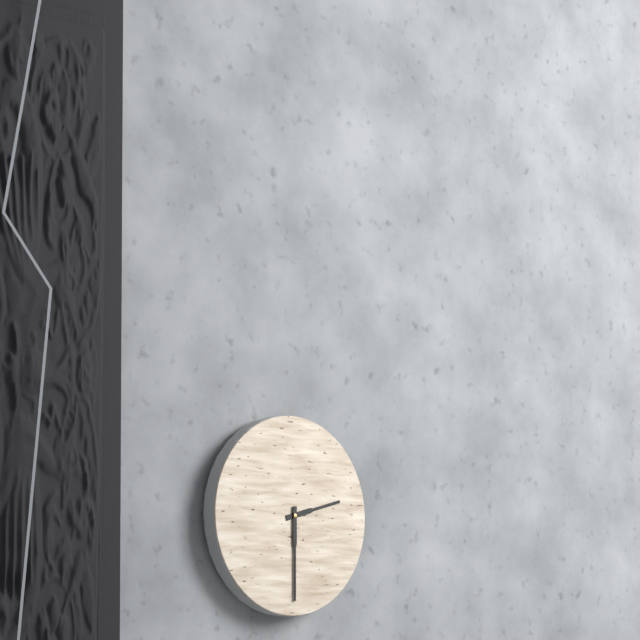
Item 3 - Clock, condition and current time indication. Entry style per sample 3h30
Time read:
2h30
